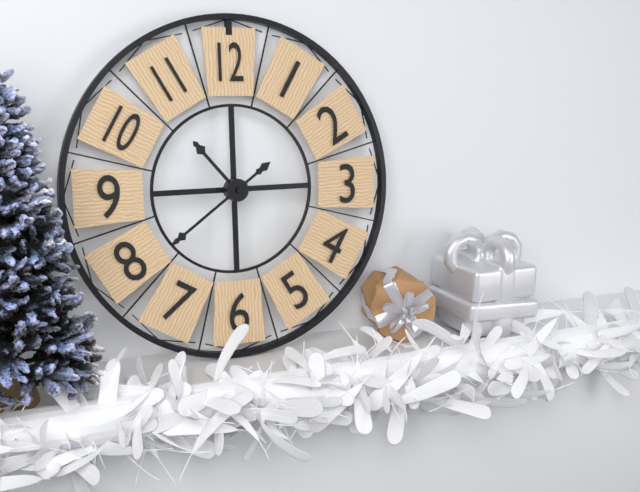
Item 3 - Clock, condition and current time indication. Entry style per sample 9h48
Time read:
10h39
